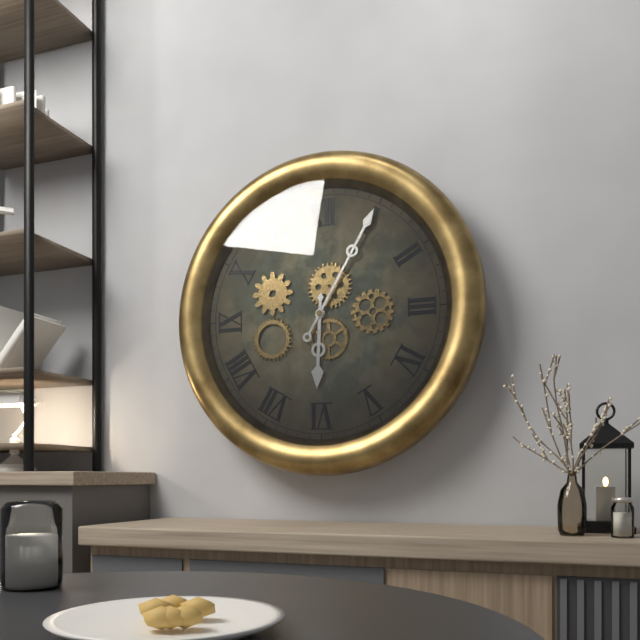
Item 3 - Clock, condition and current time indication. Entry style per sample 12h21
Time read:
6h05
